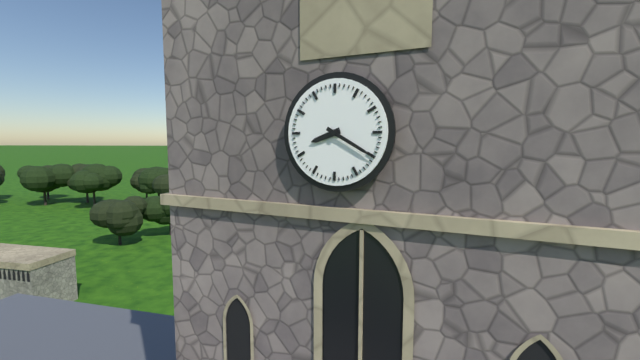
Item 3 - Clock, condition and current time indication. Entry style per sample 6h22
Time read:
8h20
